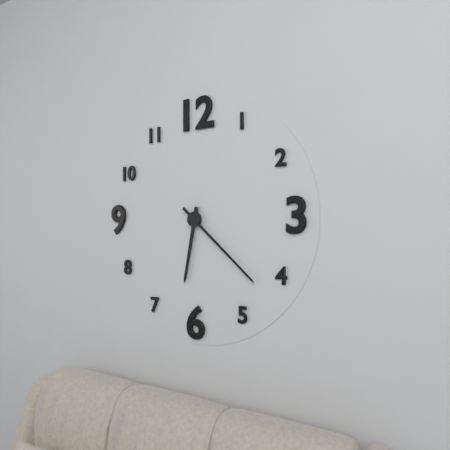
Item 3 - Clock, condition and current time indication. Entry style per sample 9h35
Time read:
6h22
